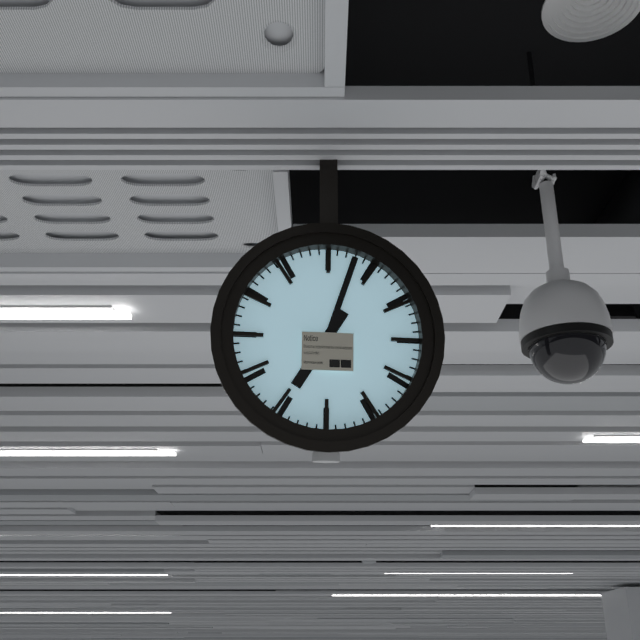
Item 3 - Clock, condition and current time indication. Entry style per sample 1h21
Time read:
7h03
